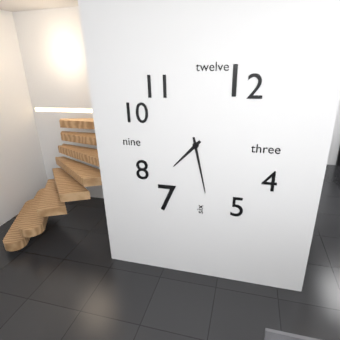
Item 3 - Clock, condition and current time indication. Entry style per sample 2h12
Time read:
7h28
